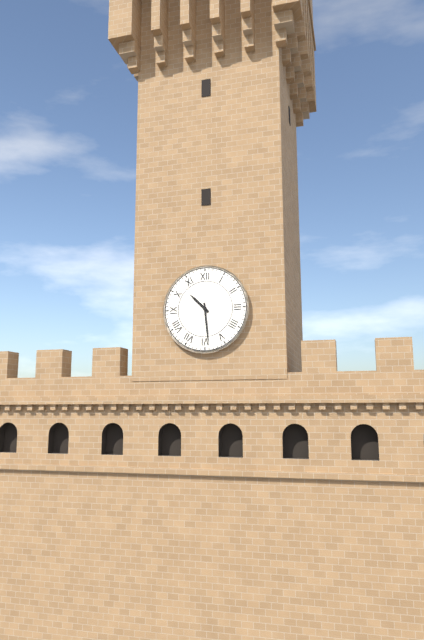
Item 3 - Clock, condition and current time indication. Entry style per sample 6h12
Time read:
10h29
